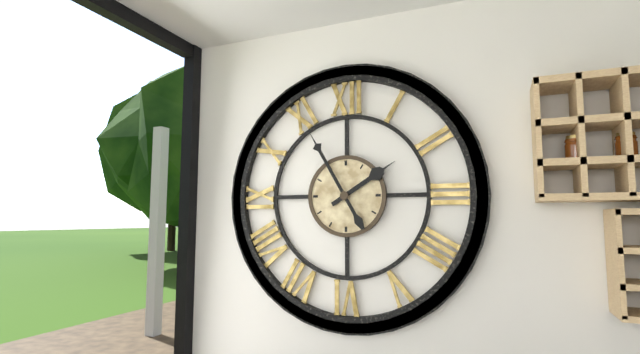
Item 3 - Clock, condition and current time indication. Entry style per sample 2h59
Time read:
1h55
